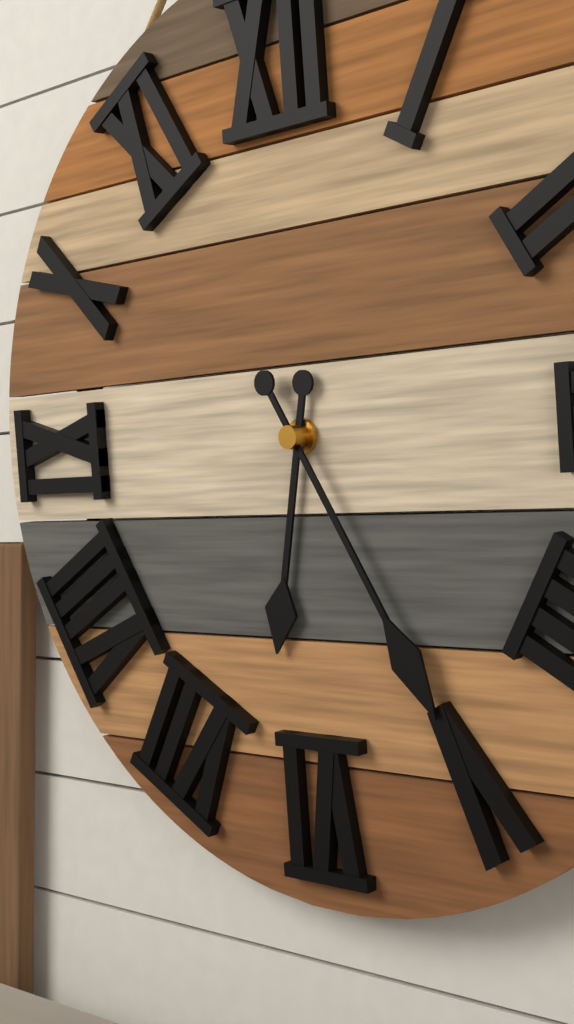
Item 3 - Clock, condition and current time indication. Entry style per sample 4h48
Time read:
6h25
